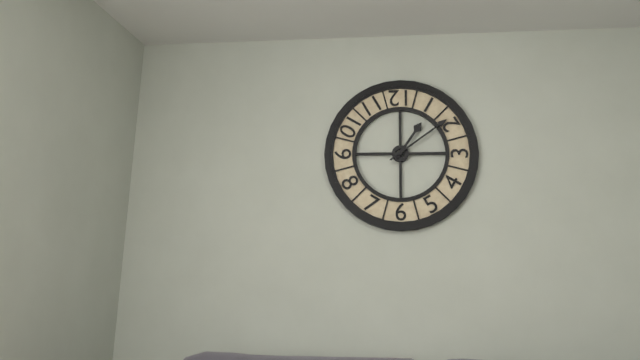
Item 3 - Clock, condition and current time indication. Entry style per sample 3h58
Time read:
1h09
